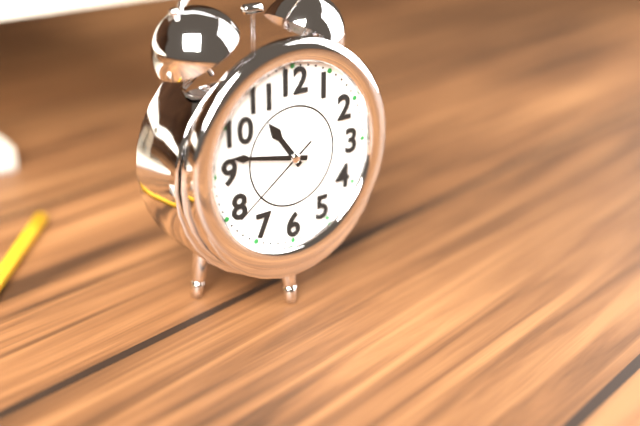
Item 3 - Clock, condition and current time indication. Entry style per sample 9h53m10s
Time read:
10h47m39s
